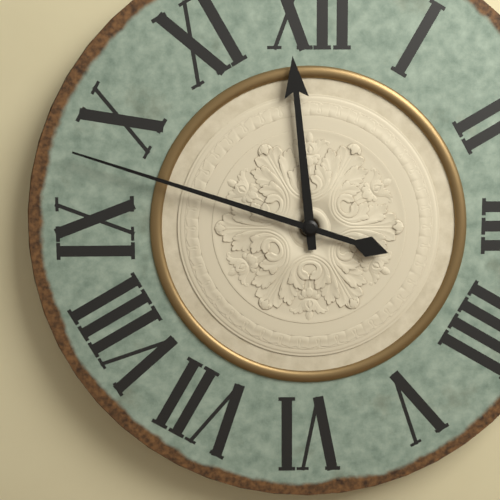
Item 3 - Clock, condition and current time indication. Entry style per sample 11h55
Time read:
11h48
